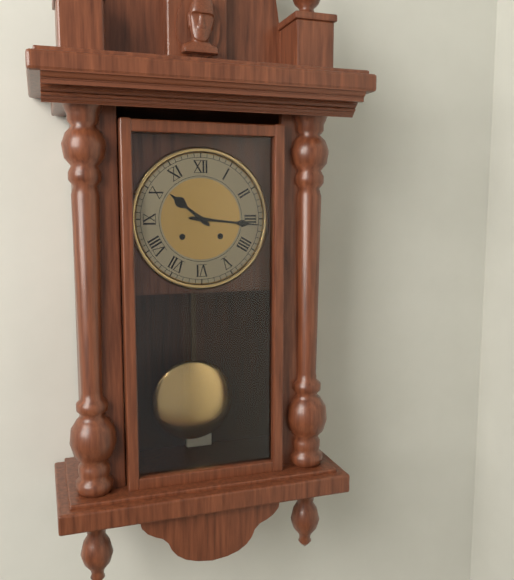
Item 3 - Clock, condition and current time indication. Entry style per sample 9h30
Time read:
10h16
